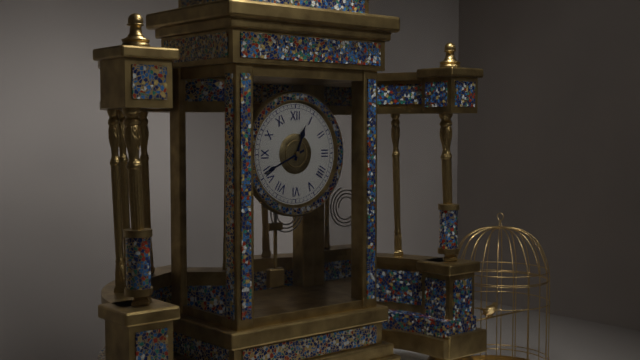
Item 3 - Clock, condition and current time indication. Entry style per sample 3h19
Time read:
12h41
